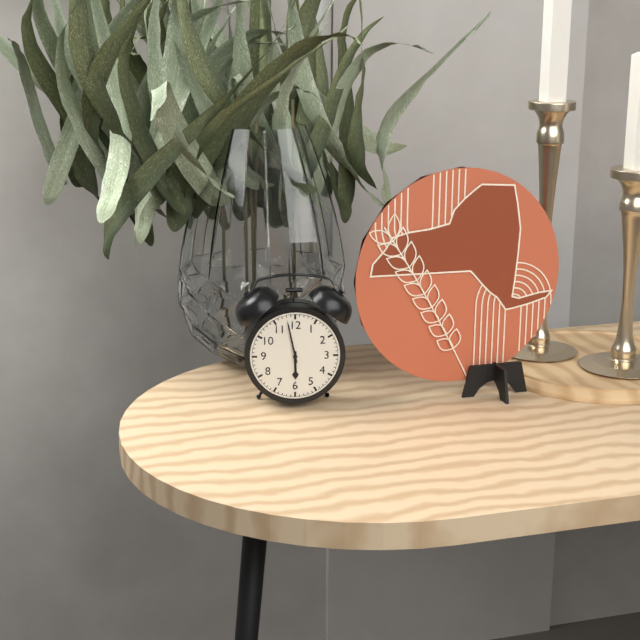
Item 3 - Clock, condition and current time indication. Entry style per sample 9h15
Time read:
5h58
